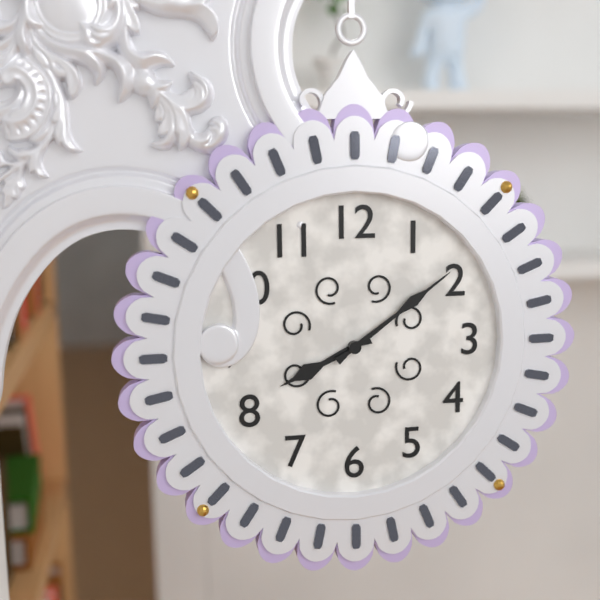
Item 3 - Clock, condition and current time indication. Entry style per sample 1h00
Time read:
8h09
